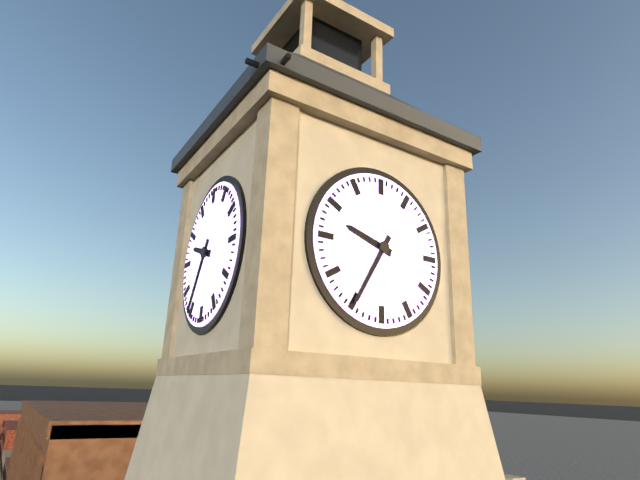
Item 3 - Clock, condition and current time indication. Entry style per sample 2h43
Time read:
9h35
